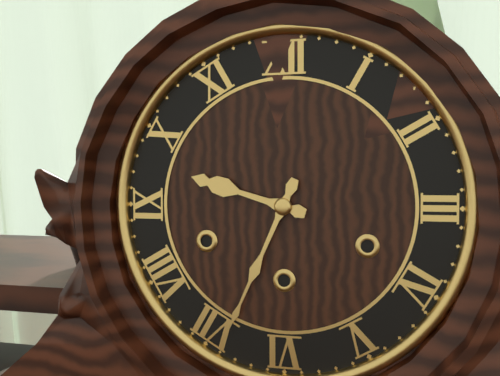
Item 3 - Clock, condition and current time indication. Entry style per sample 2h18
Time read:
9h34
